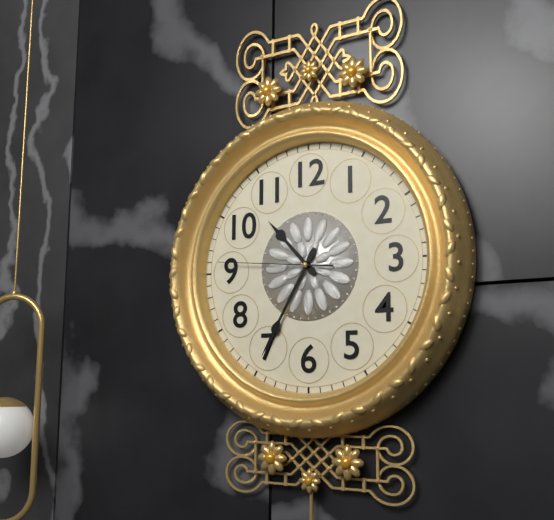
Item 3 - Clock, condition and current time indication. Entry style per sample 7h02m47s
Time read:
10h35m46s
